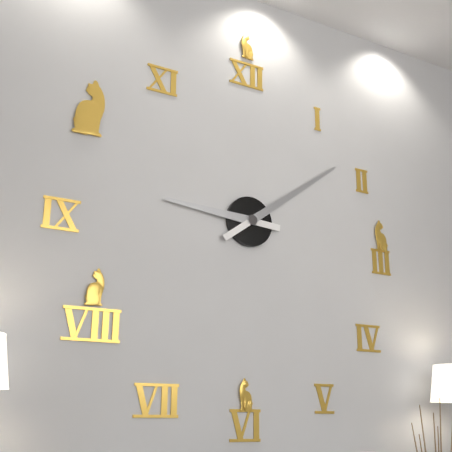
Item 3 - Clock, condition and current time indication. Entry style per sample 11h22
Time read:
9h09
